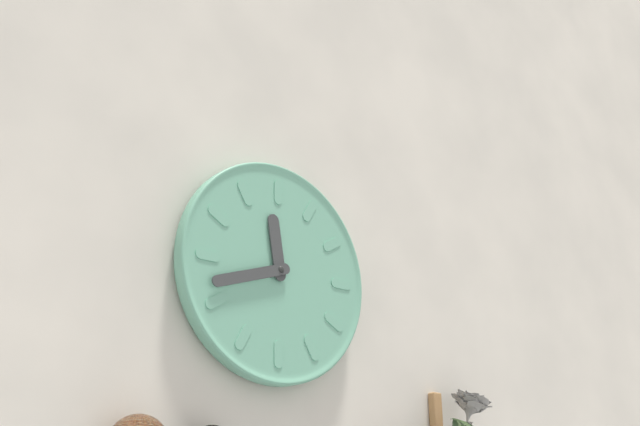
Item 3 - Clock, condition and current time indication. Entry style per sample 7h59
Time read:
11h42
